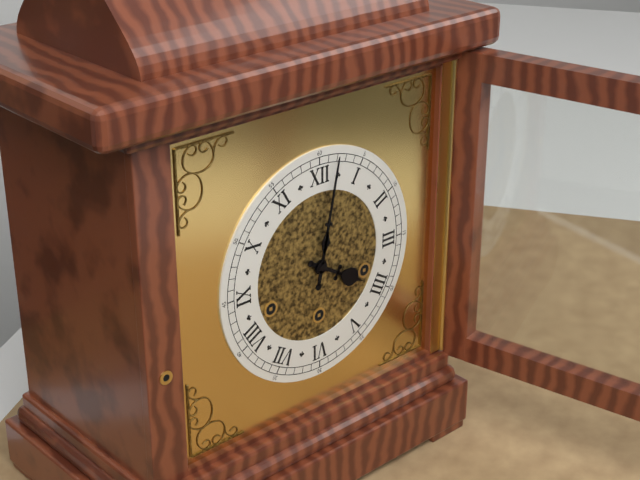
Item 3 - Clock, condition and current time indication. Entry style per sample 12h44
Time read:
4h02
